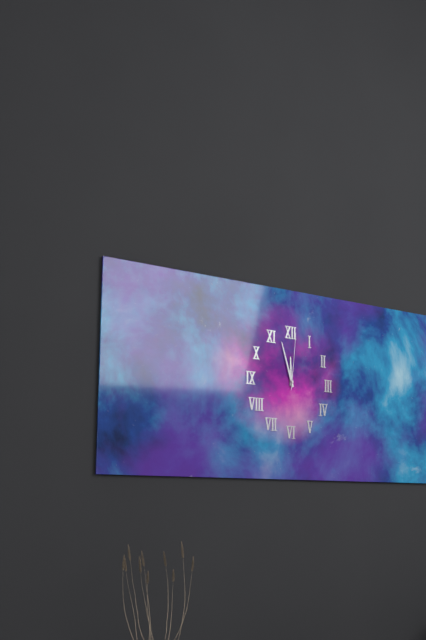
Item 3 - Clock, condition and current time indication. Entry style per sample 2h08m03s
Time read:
11h57m01s
